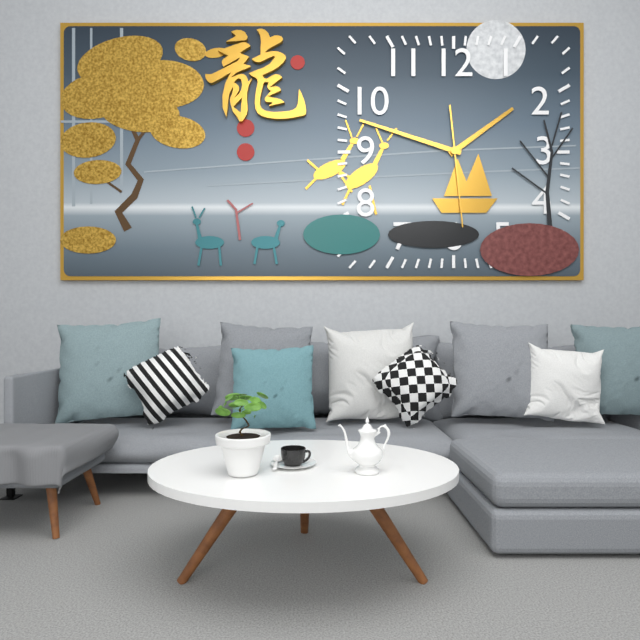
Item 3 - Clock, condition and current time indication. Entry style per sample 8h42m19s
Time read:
1h48m29s
